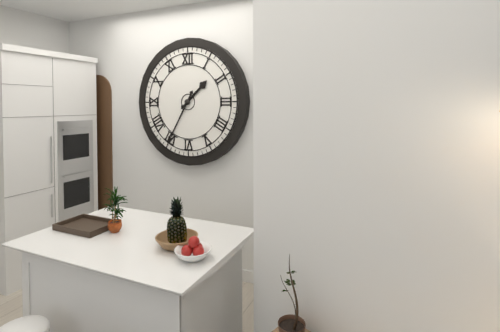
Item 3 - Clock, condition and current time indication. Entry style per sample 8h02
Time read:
1h35
